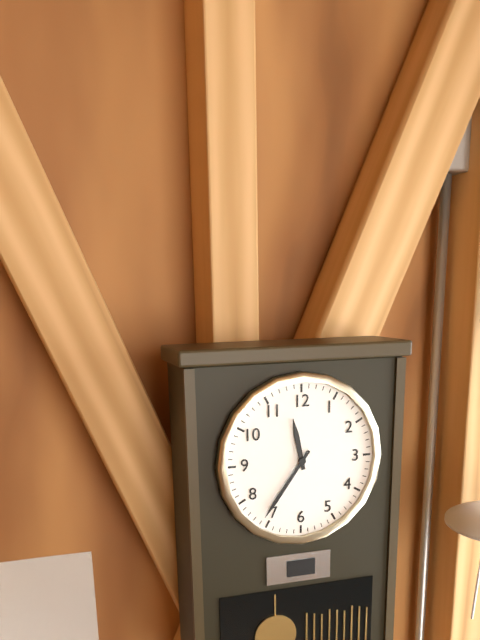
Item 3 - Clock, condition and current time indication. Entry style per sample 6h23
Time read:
11h36
